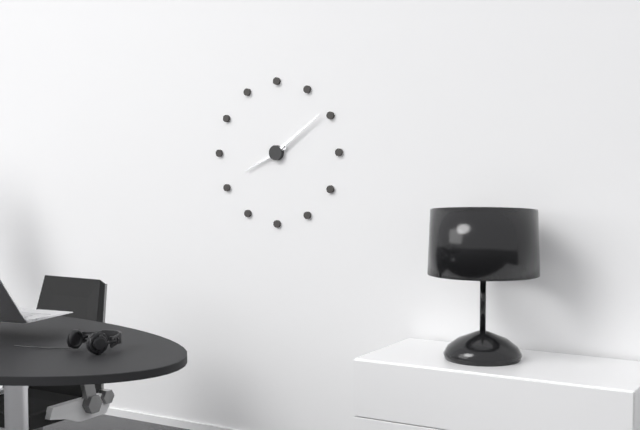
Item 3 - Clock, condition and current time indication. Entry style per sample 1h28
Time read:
8h09
